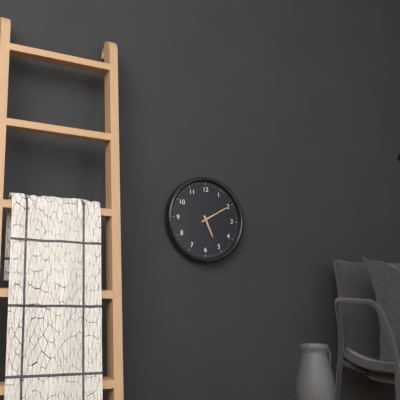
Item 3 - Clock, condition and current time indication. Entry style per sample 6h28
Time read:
5h10
